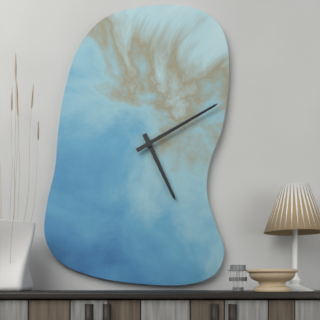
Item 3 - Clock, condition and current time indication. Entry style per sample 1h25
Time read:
5h10
